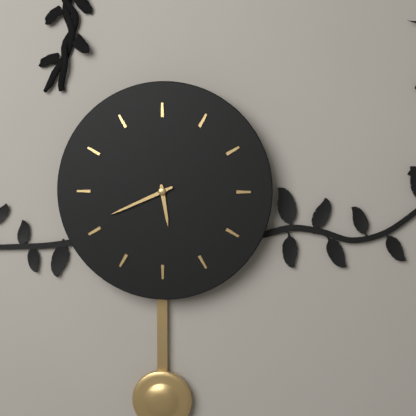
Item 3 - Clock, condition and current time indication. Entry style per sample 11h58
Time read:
5h41
